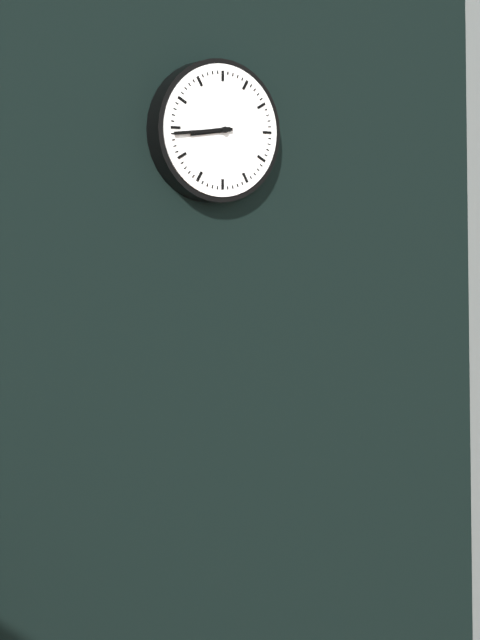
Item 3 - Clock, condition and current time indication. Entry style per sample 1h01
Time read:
8h44
